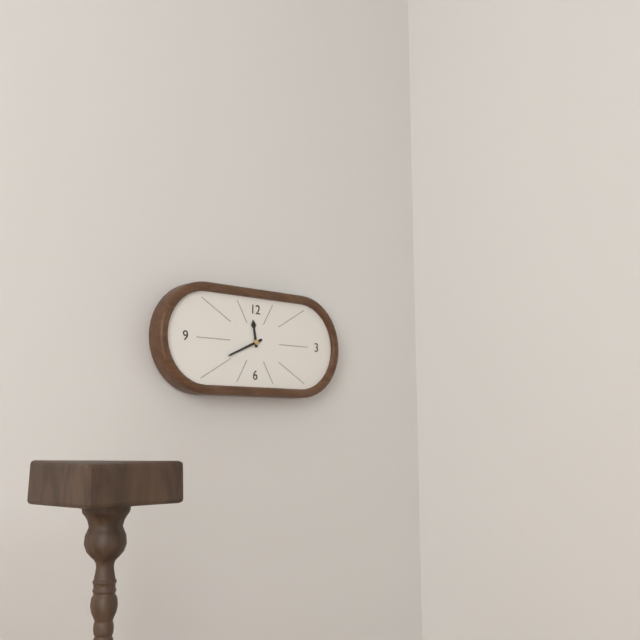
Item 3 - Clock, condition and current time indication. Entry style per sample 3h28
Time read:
11h41
